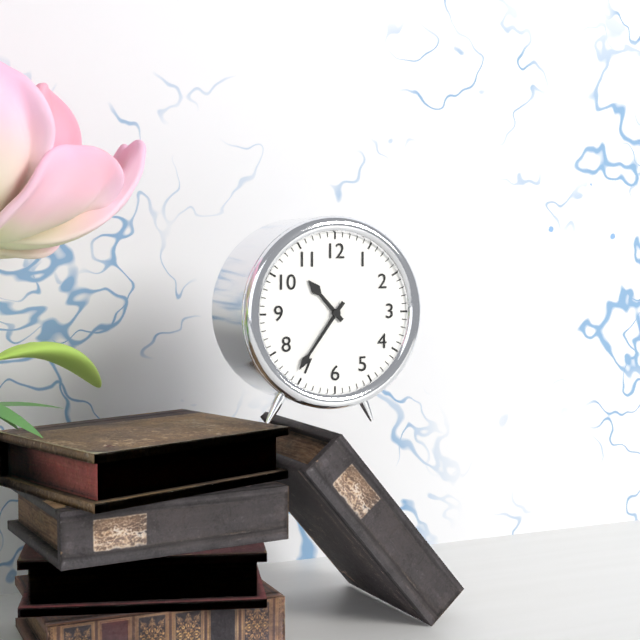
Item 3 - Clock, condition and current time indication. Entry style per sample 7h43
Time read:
10h36
